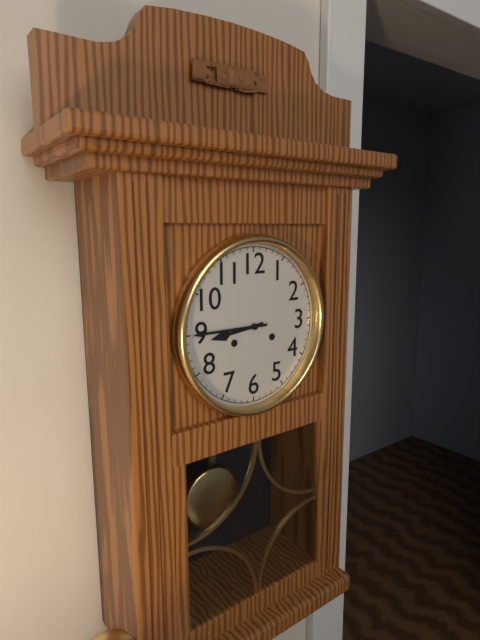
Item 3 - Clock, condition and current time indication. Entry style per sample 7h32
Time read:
8h45
